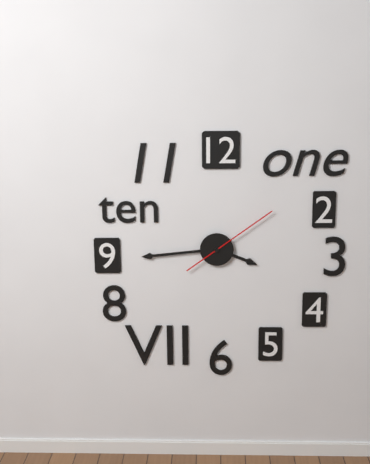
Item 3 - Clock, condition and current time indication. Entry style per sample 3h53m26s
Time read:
3h44m09s
